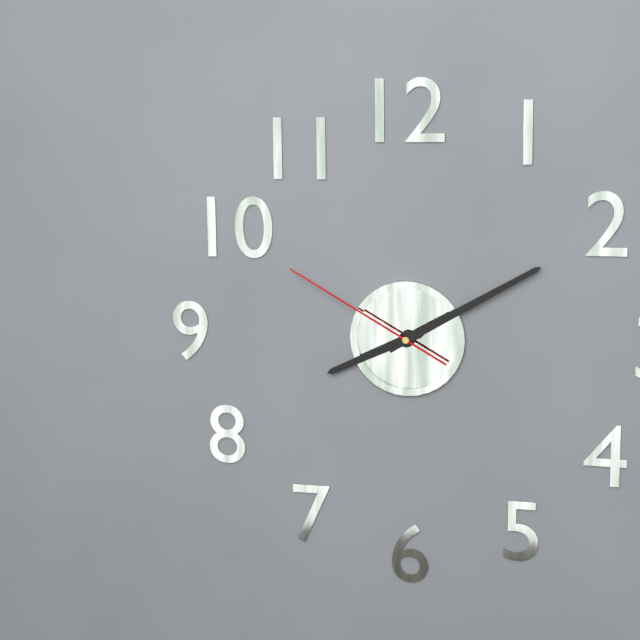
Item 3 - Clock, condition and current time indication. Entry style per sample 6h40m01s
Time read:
8h10m50s
